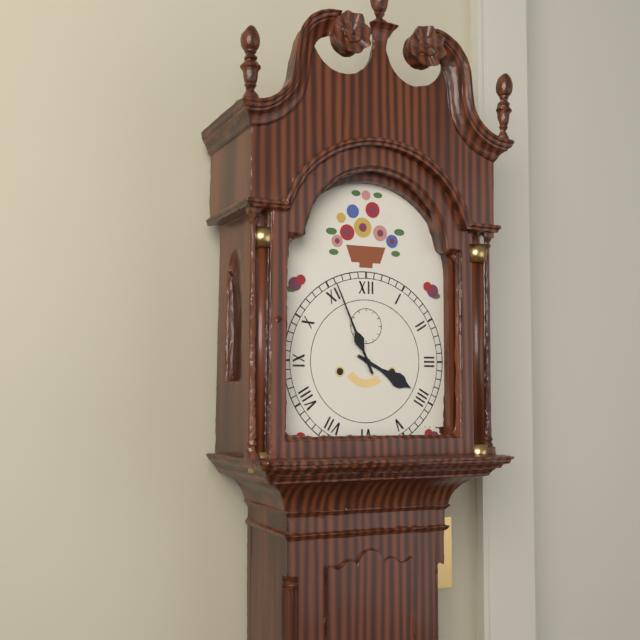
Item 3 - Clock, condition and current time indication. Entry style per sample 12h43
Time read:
3h56
